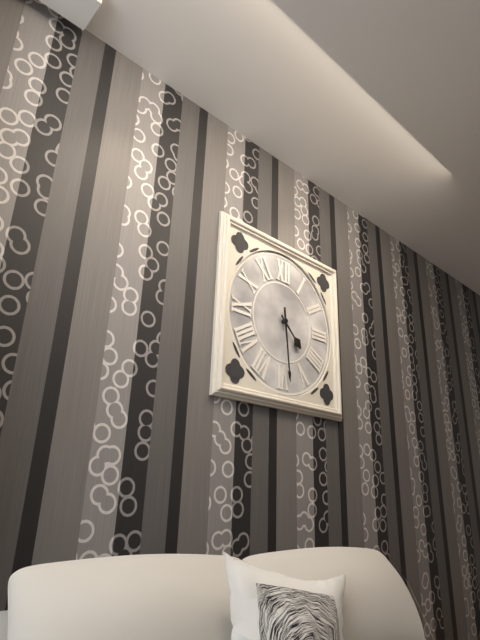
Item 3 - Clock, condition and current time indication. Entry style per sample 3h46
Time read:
4h29
